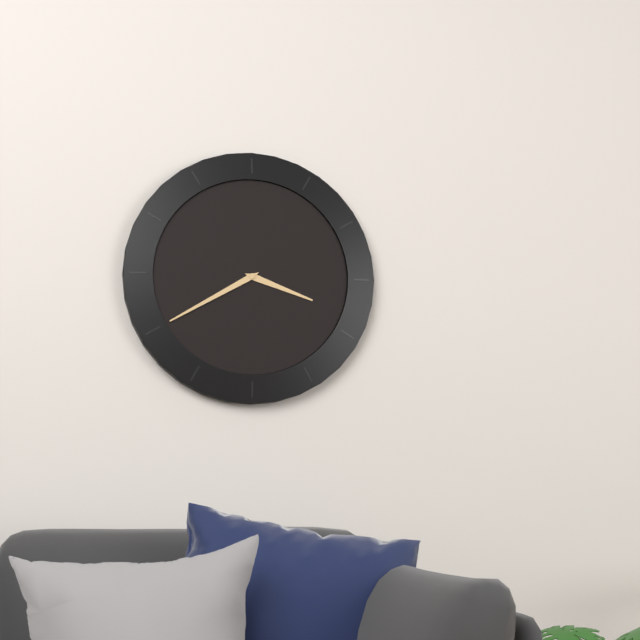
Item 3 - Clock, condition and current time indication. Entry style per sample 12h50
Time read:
3h40
